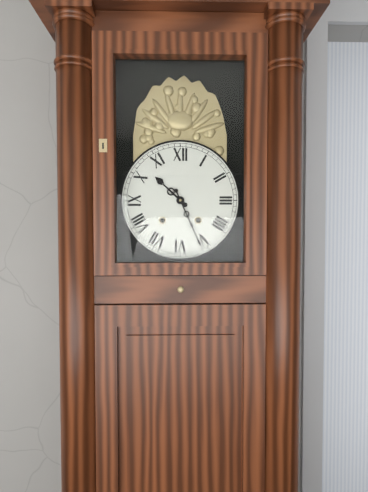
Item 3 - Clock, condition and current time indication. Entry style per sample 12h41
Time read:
10h26
